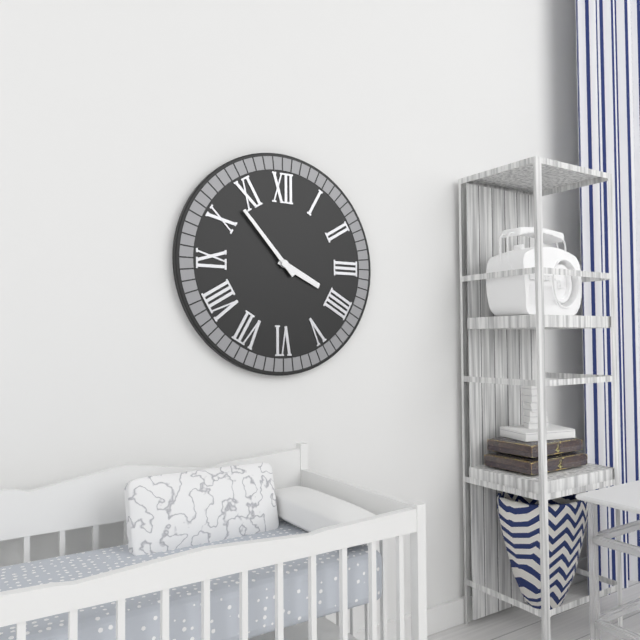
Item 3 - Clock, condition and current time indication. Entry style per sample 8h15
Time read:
3h53
